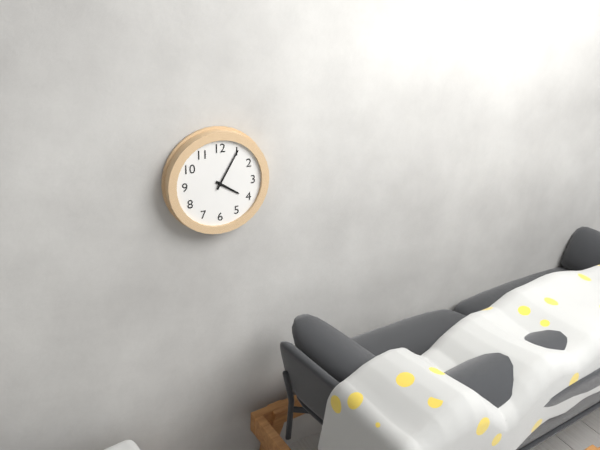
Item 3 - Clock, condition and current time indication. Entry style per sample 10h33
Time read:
4h05
